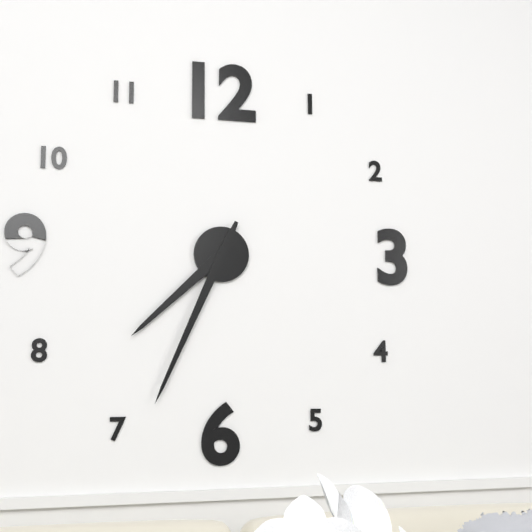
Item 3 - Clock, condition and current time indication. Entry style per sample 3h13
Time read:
7h34
